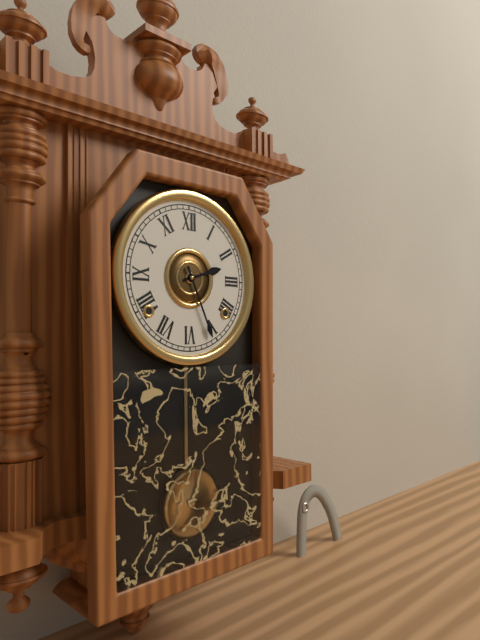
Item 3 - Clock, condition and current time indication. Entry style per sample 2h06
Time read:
2h26
